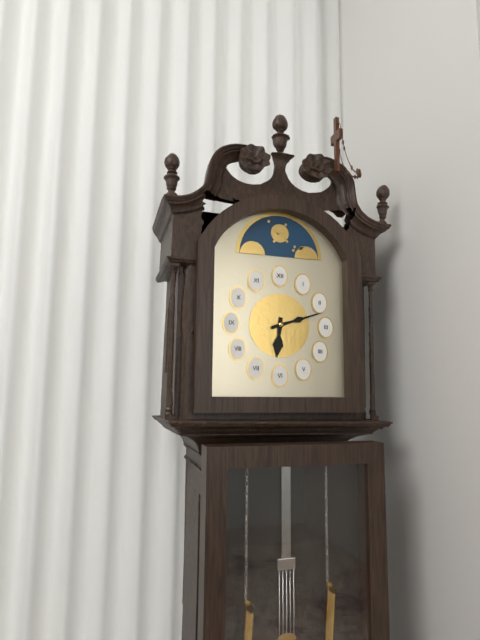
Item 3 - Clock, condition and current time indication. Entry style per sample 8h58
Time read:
6h12
